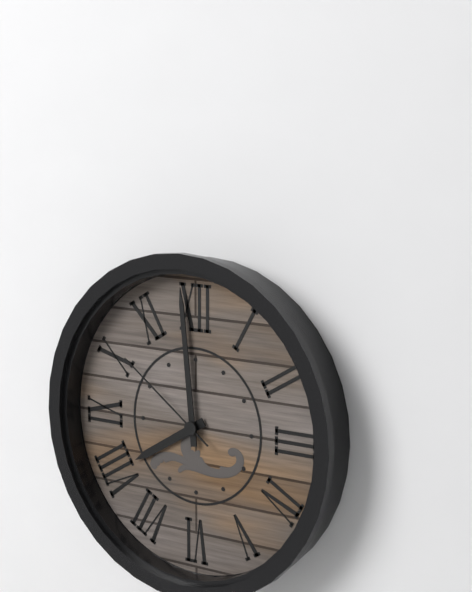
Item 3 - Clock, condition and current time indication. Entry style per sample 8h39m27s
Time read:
7h59m51s
